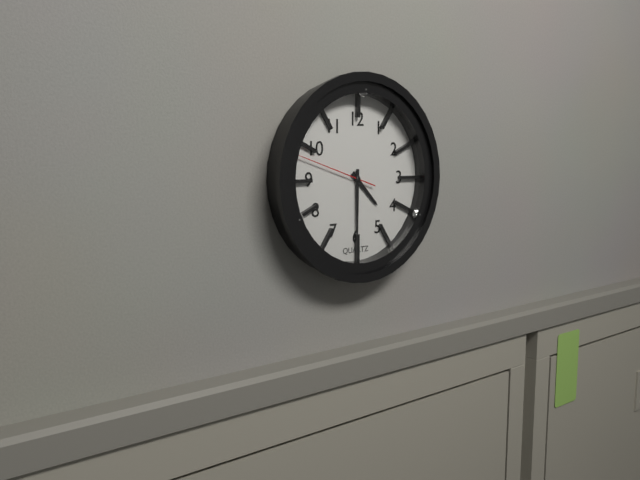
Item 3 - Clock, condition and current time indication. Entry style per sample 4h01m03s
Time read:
4h30m48s
